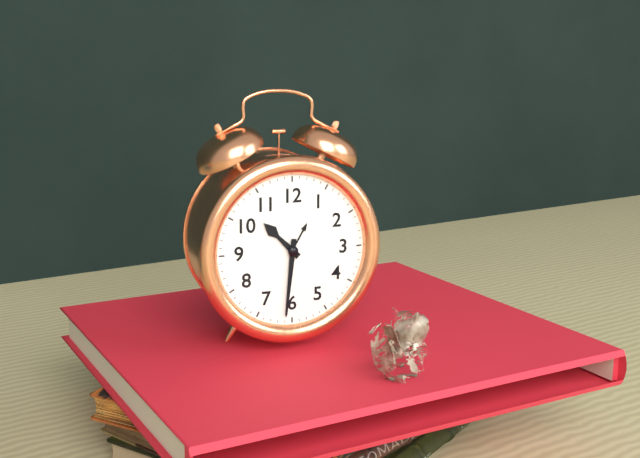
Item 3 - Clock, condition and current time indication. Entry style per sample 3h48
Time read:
10h31
